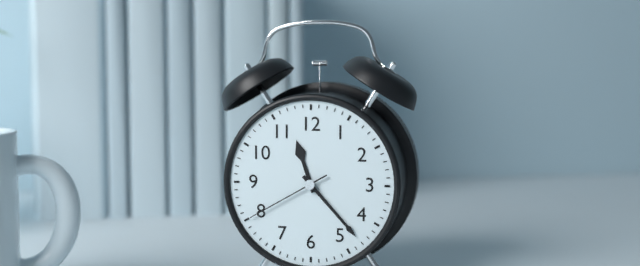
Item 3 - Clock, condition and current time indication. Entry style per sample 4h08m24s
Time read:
11h23m40s
